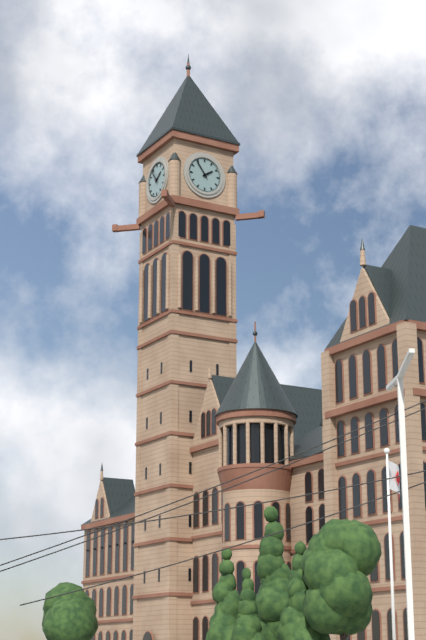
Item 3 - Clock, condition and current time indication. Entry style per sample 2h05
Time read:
1h54
